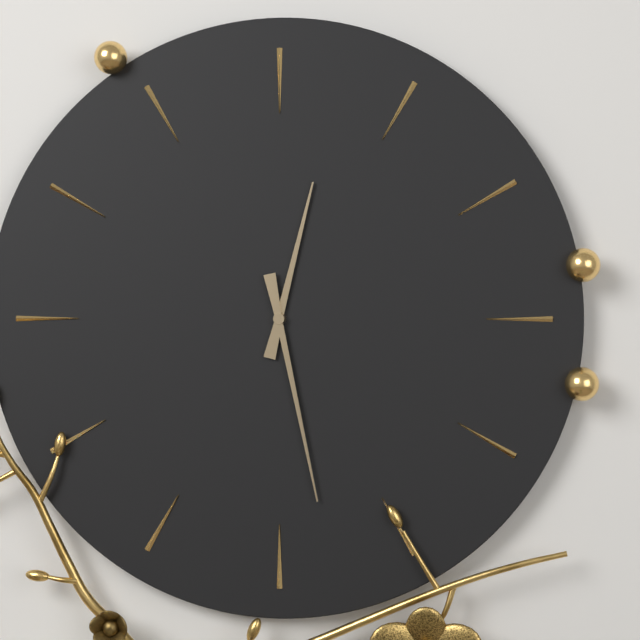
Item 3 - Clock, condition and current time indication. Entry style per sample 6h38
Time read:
12h28
